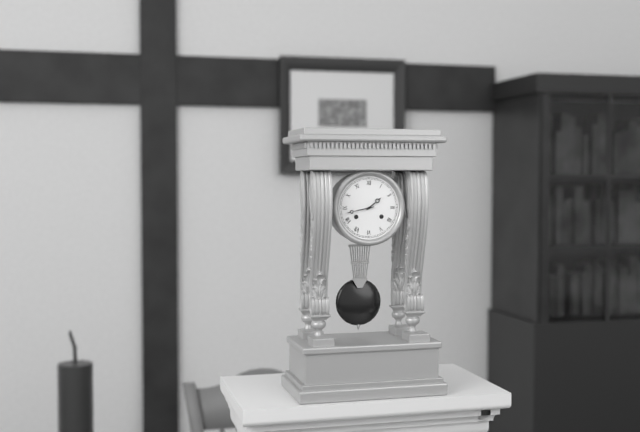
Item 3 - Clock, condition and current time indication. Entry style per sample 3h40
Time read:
1h43
